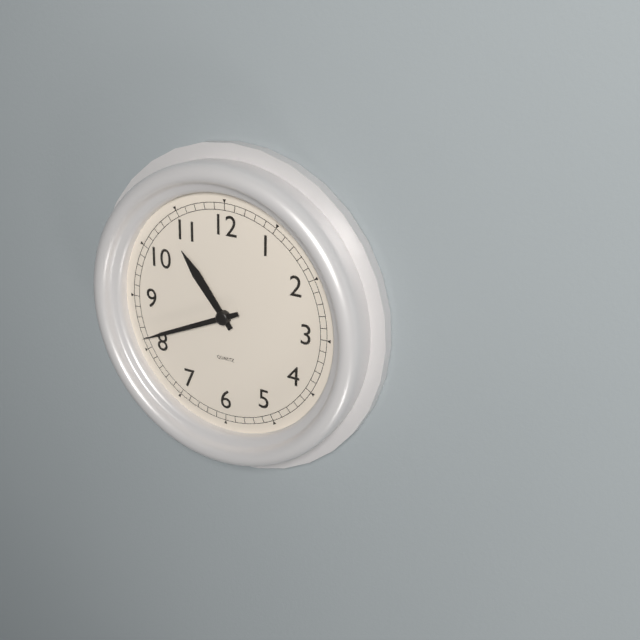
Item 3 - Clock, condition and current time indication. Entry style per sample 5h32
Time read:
10h41
